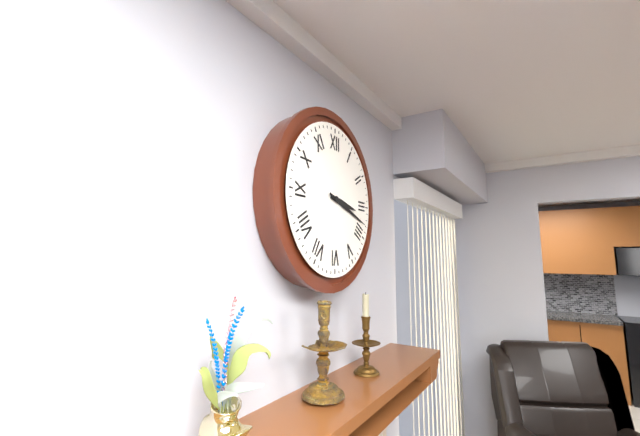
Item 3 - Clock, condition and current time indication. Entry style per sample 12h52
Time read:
3h18
